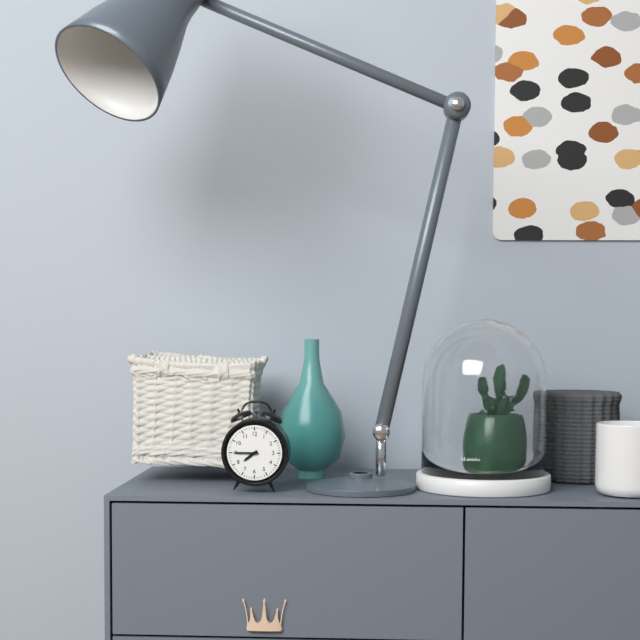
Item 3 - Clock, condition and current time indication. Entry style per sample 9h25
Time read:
7h45
